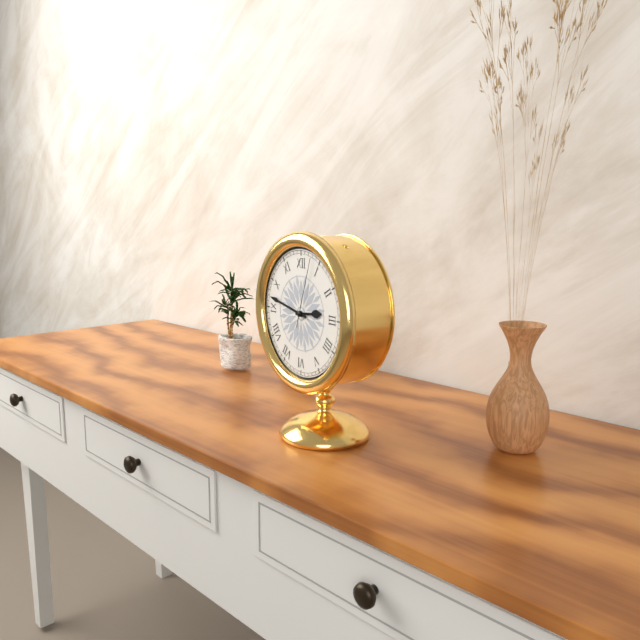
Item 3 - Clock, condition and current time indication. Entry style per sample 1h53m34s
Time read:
2h47m03s
